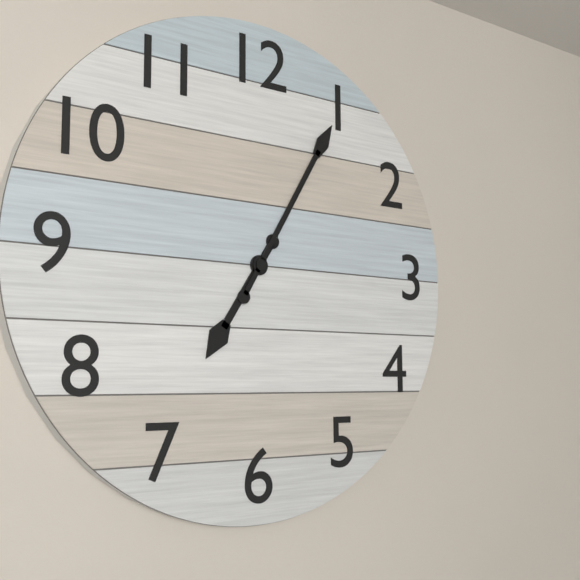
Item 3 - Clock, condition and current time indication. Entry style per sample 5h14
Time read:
7h05
